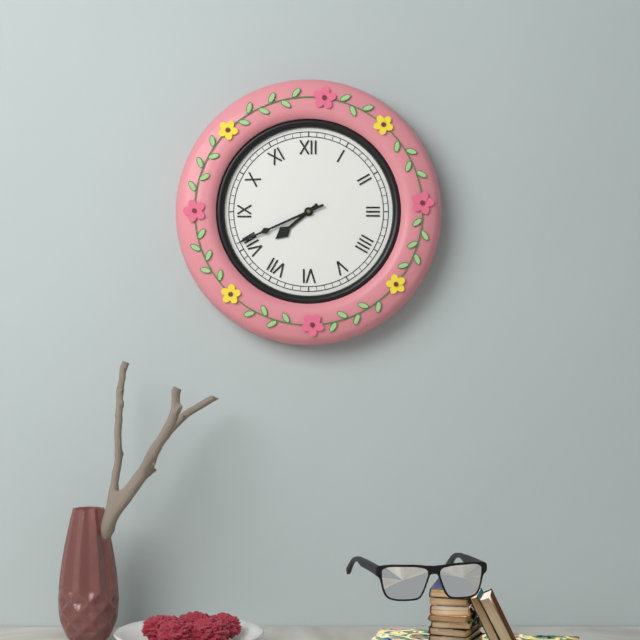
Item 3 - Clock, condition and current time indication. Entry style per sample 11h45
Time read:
7h41
